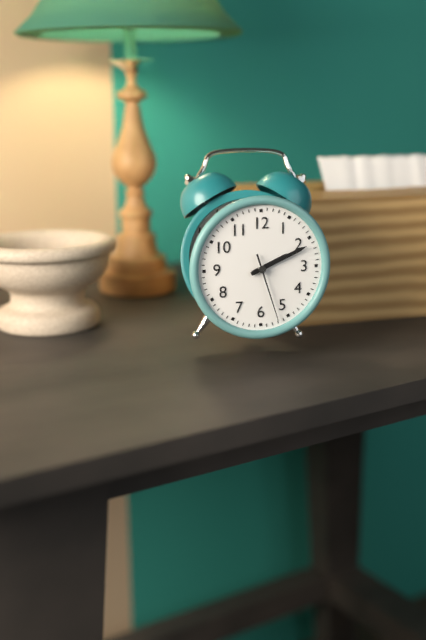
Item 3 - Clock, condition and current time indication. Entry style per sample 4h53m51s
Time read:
2h11m27s
